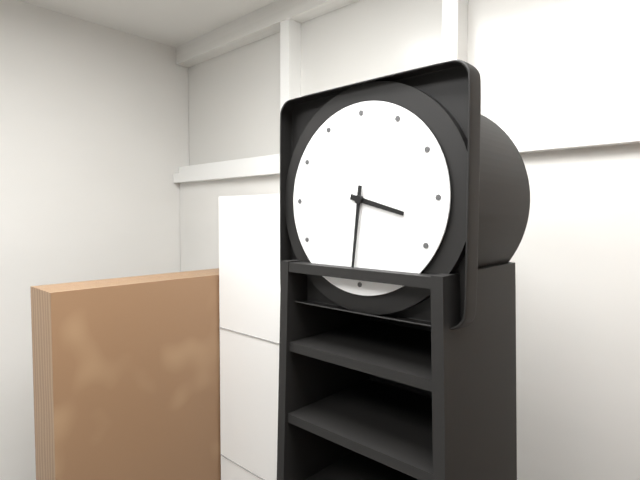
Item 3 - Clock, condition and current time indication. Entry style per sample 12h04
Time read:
3h31
